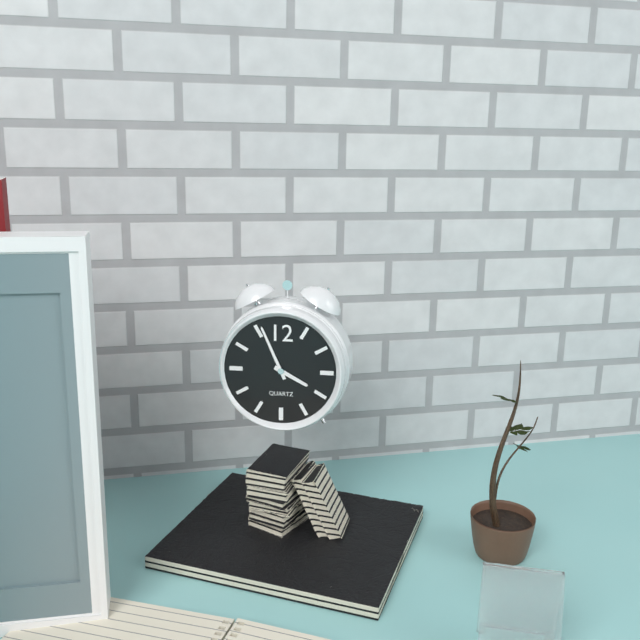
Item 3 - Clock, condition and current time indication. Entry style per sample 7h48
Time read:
3h56
